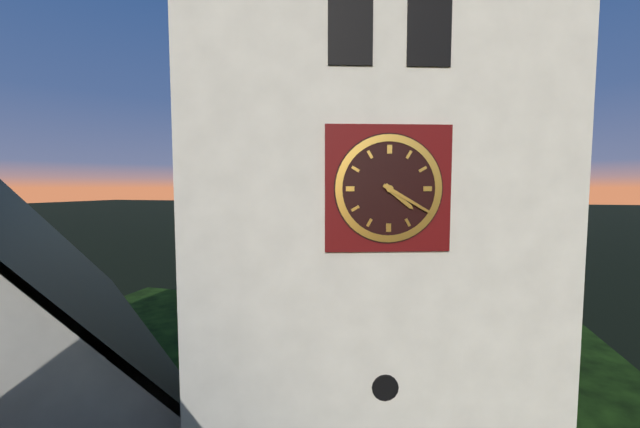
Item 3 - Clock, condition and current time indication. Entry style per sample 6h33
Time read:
4h20
